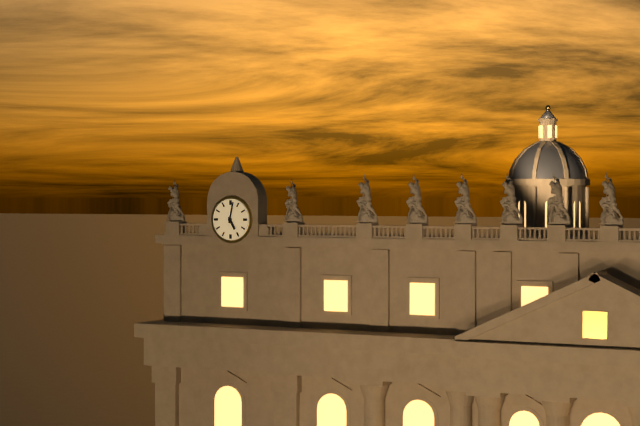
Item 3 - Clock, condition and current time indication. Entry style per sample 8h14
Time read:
5h02
